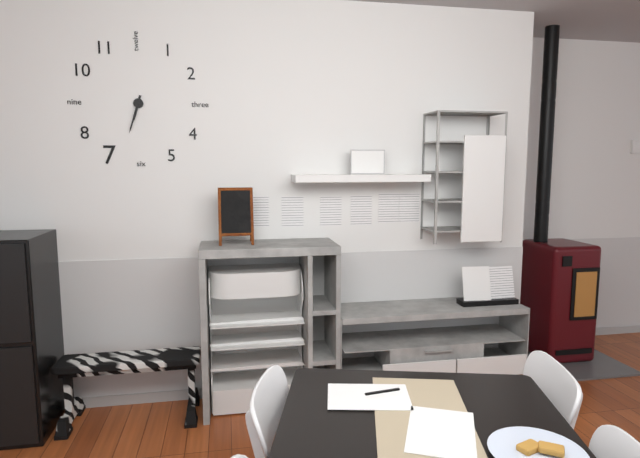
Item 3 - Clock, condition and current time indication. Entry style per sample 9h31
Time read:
6h33
